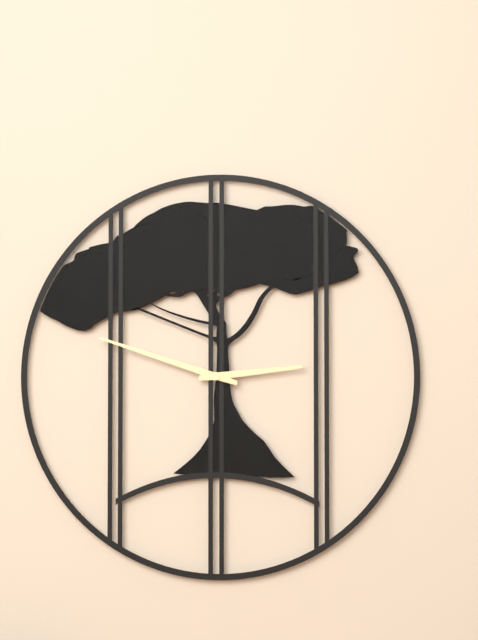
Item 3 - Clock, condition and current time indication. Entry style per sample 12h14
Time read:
2h48
